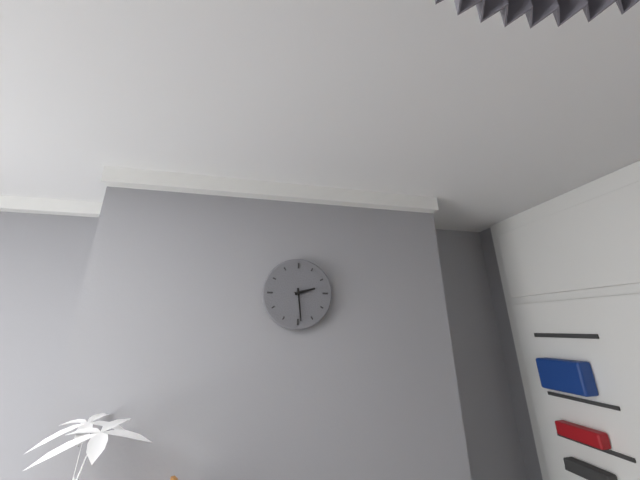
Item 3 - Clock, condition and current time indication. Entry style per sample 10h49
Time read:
2h29
